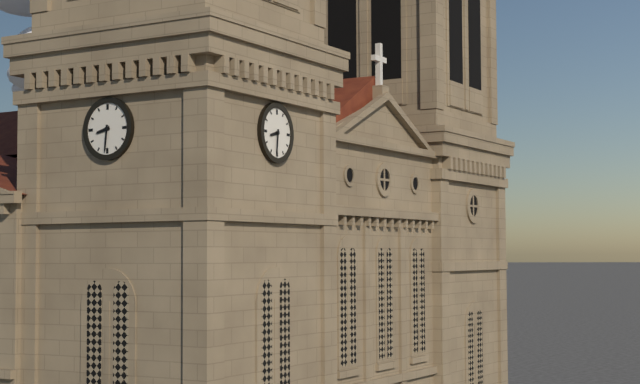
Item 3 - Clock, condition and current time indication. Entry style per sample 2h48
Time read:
8h31
